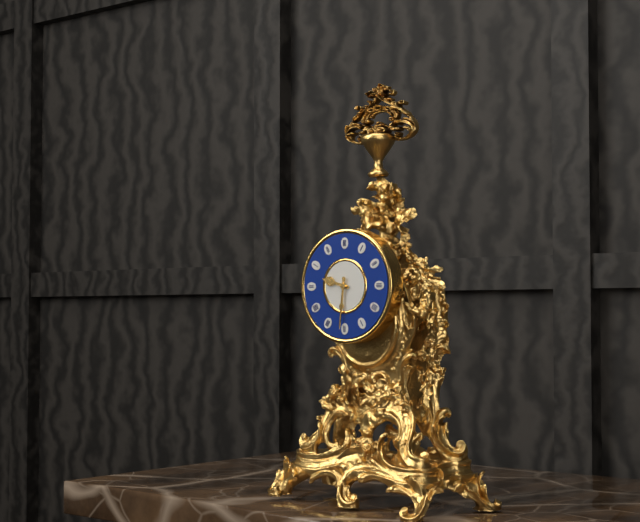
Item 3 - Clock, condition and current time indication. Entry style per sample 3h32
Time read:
9h31
